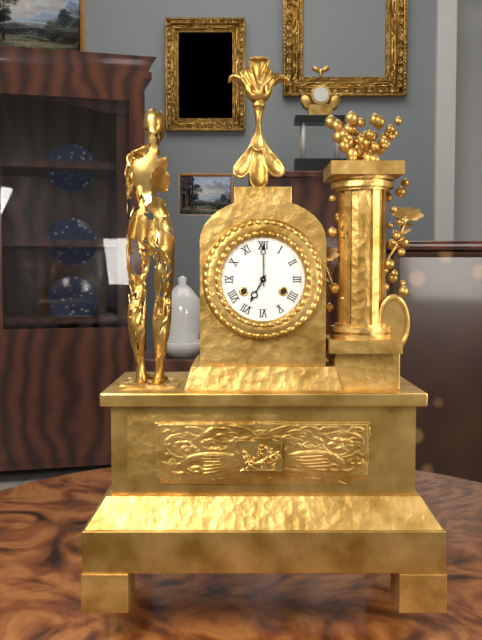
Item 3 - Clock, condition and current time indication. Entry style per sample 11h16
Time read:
7h00
